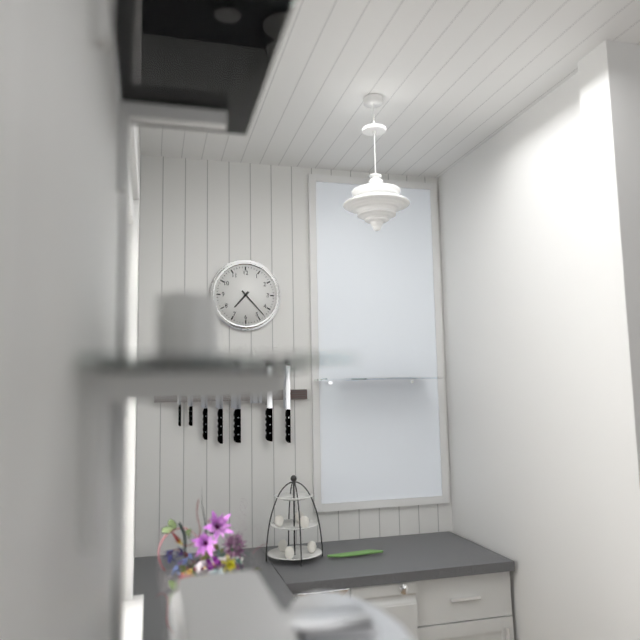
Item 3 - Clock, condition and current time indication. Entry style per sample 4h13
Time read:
7h23
